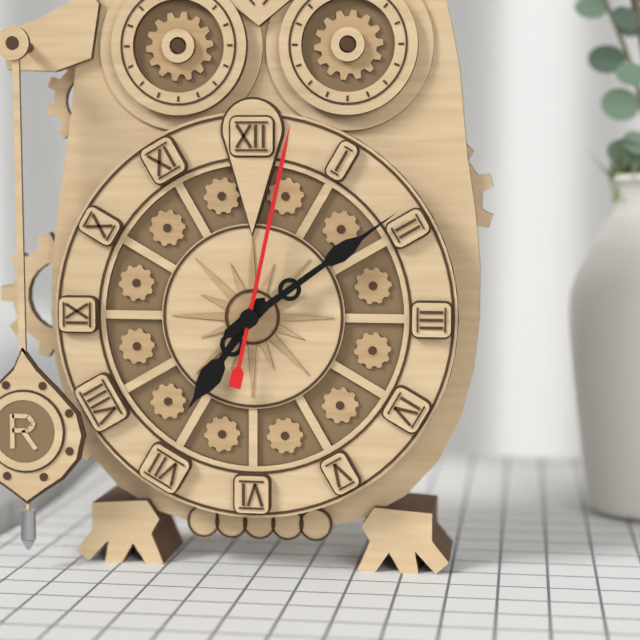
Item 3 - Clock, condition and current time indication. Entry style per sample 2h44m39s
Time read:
7h09m02s
